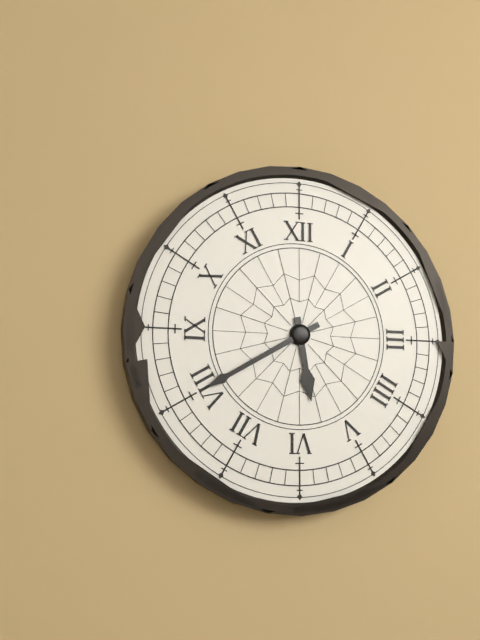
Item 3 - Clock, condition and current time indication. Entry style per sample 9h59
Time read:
5h40
